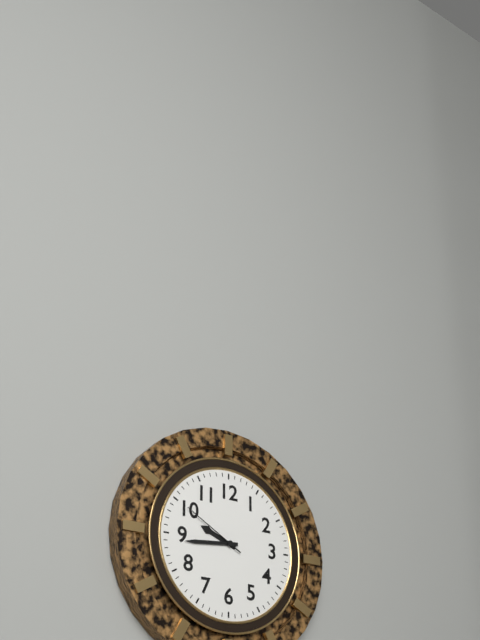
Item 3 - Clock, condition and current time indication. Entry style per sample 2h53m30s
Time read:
9h44m50s
